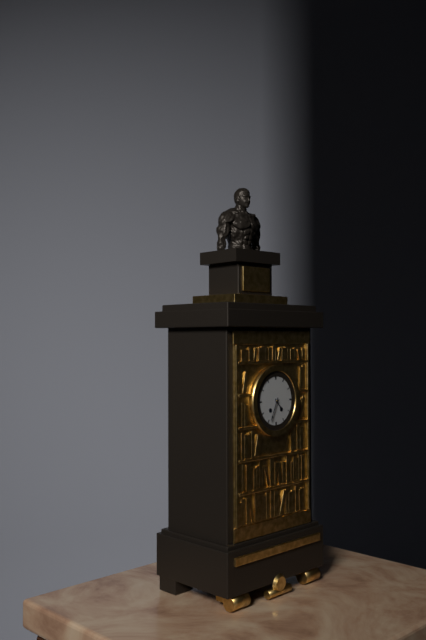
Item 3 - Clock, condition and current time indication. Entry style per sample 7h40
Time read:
4h34
